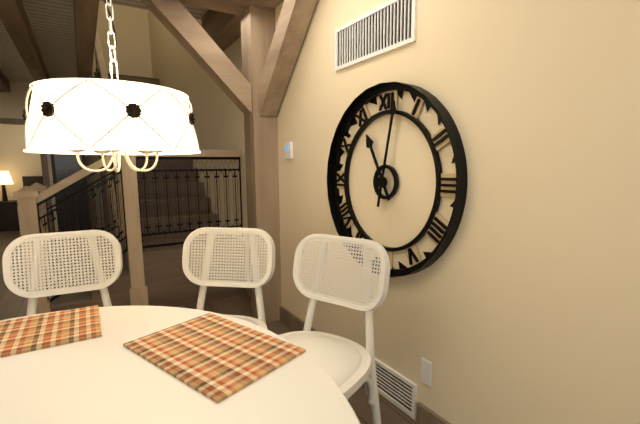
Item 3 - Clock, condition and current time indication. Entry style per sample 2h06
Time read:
11h02
